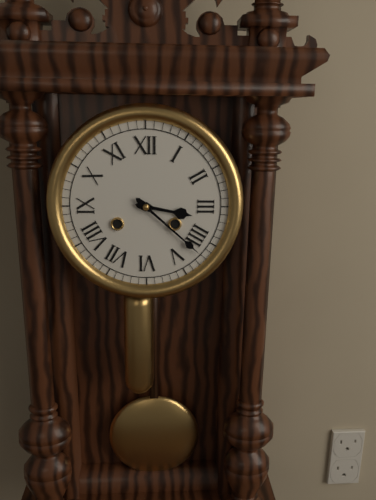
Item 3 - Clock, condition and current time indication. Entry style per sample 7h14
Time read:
3h22
